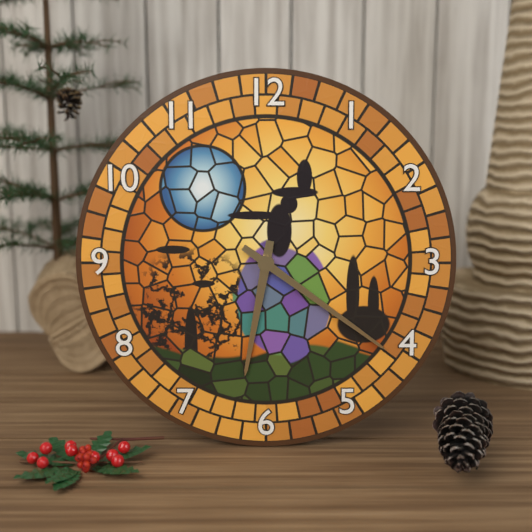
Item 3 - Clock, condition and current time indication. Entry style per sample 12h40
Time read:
6h21
